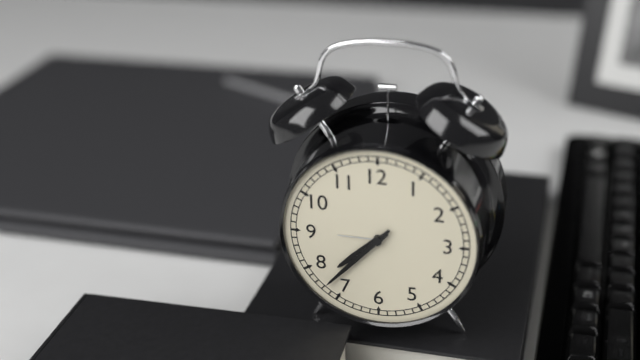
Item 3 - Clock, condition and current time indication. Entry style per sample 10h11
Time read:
7h37
